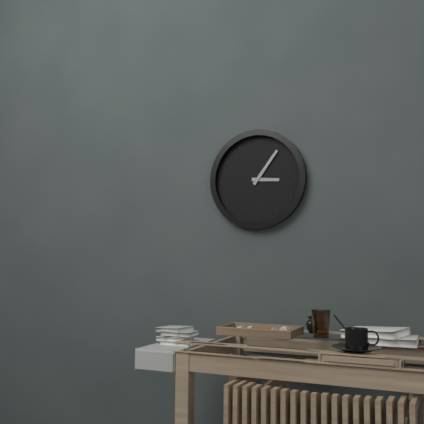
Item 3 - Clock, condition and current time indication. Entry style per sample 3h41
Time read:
3h06
